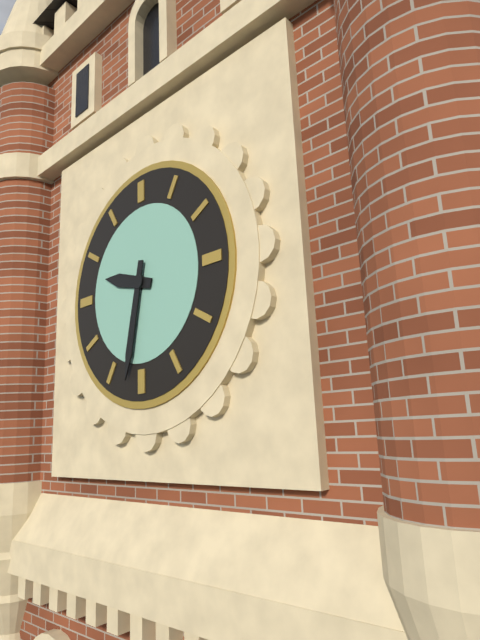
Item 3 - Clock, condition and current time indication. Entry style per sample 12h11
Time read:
9h32
